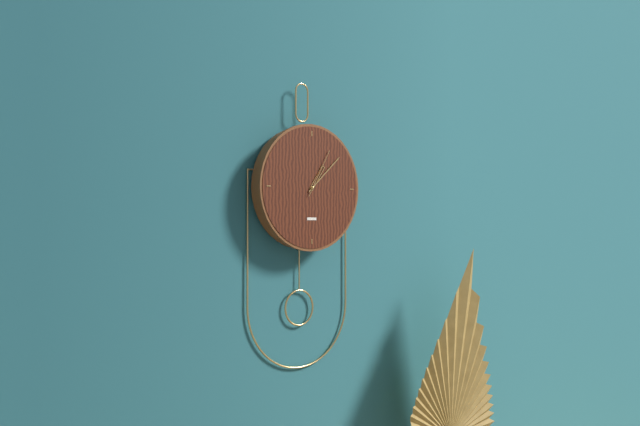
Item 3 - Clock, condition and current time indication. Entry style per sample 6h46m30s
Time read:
1h08m05s
